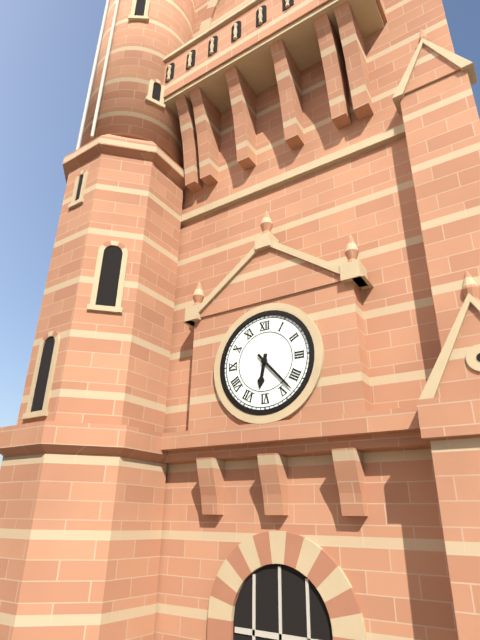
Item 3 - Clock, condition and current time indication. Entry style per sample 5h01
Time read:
6h23
